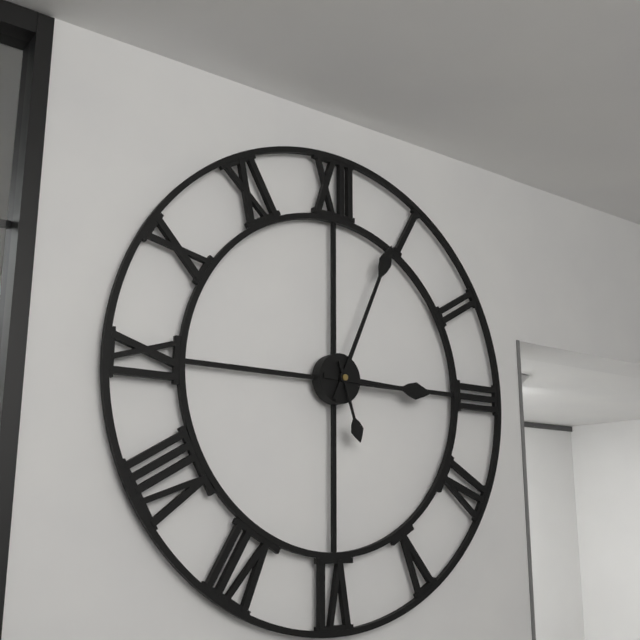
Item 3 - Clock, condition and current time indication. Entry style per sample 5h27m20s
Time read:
3h04m27s
